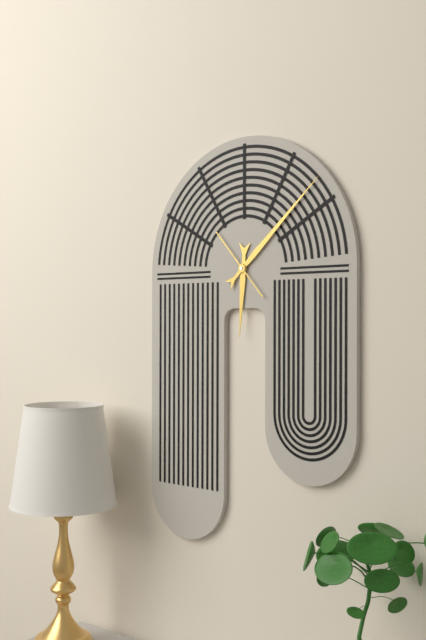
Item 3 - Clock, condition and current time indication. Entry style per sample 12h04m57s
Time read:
6h08m53s
